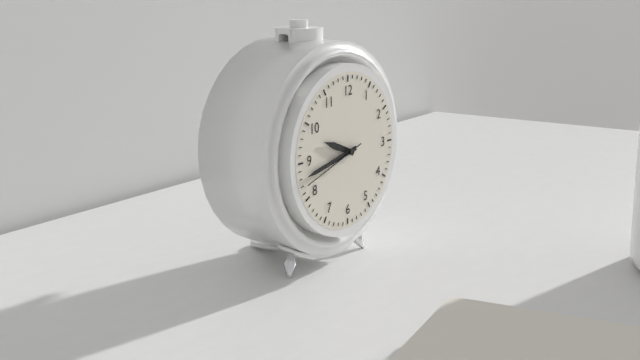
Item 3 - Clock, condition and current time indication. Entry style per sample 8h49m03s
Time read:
9h43m42s
